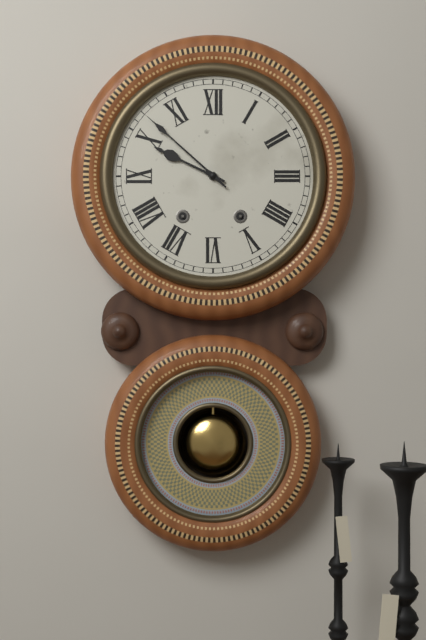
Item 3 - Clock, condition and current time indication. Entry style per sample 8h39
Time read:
9h52
